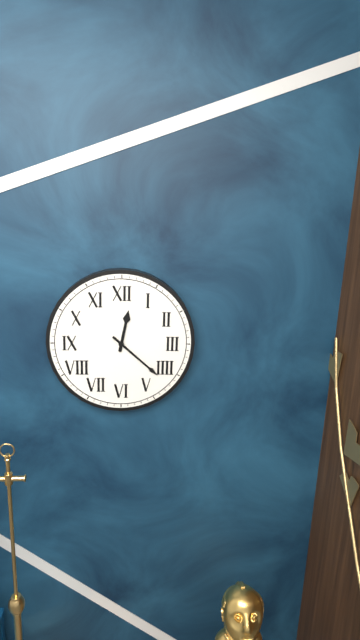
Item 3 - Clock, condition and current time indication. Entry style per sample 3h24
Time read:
12h22
